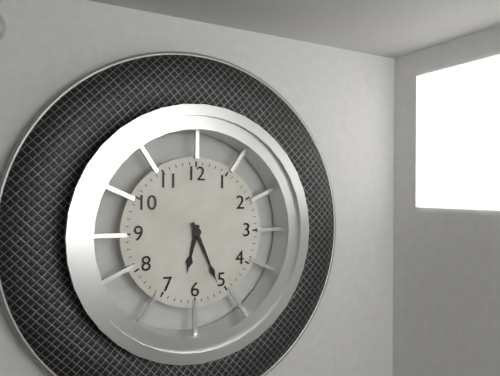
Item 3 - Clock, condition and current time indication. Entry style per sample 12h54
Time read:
6h26
